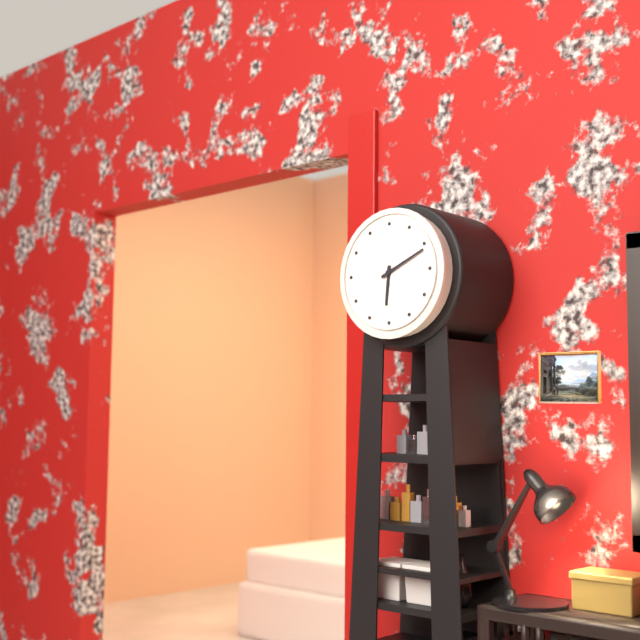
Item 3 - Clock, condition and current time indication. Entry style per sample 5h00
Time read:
6h11
